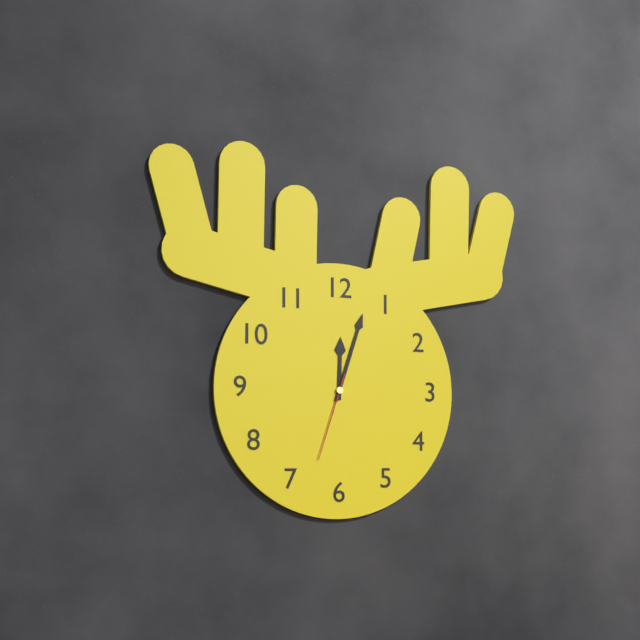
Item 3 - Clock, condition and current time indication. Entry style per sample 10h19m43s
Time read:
12h03m33s
